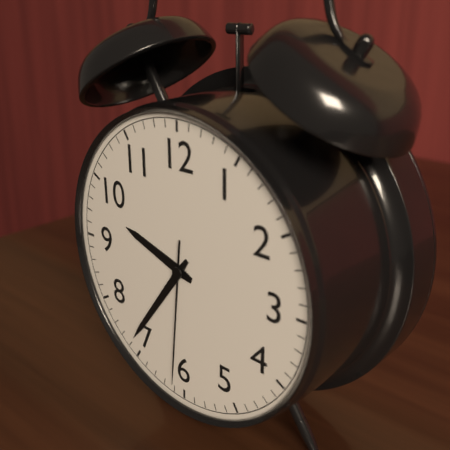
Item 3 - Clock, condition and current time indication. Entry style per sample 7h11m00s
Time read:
9h36m31s
